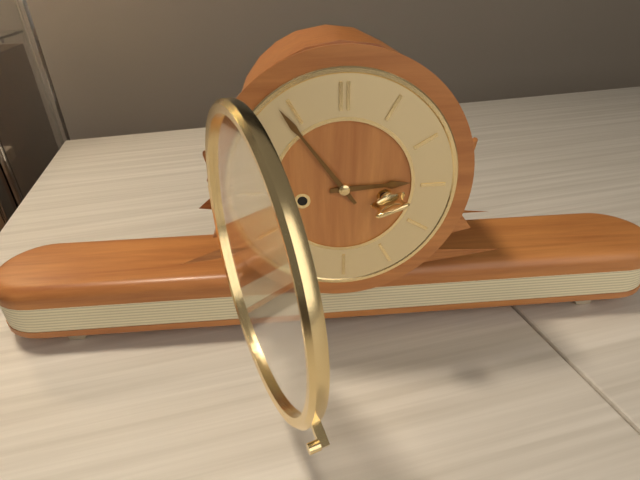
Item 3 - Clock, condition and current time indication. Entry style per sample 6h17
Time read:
2h54
